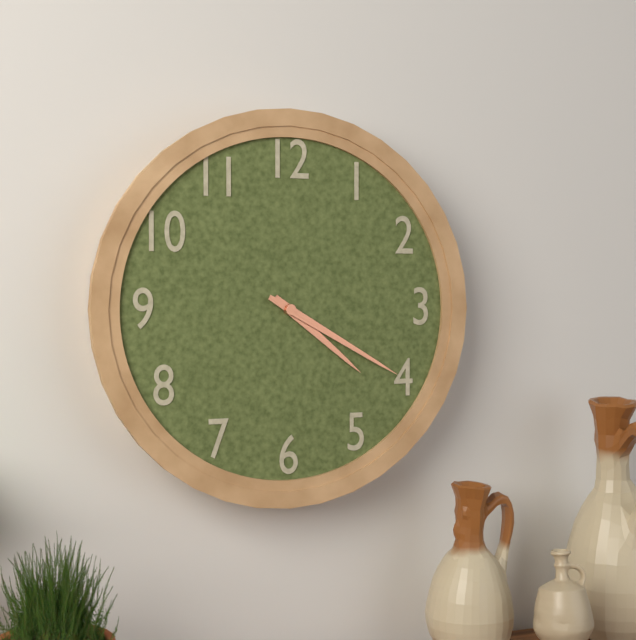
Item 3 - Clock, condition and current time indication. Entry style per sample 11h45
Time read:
4h20
